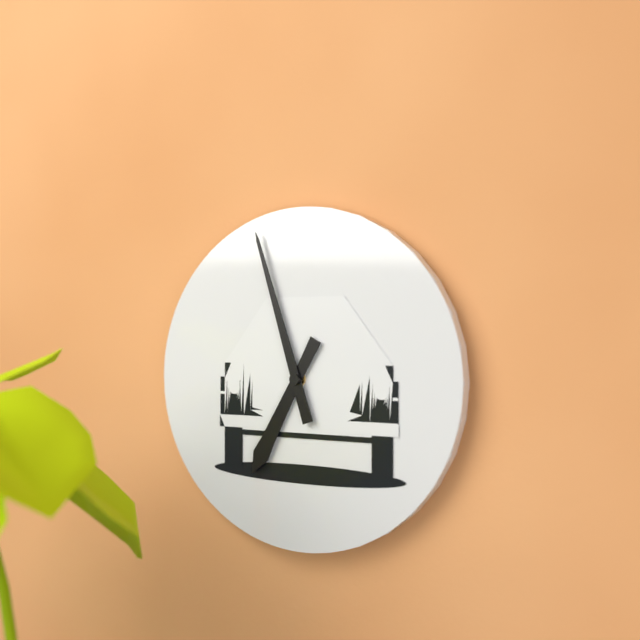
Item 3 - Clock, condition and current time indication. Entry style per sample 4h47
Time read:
6h57
